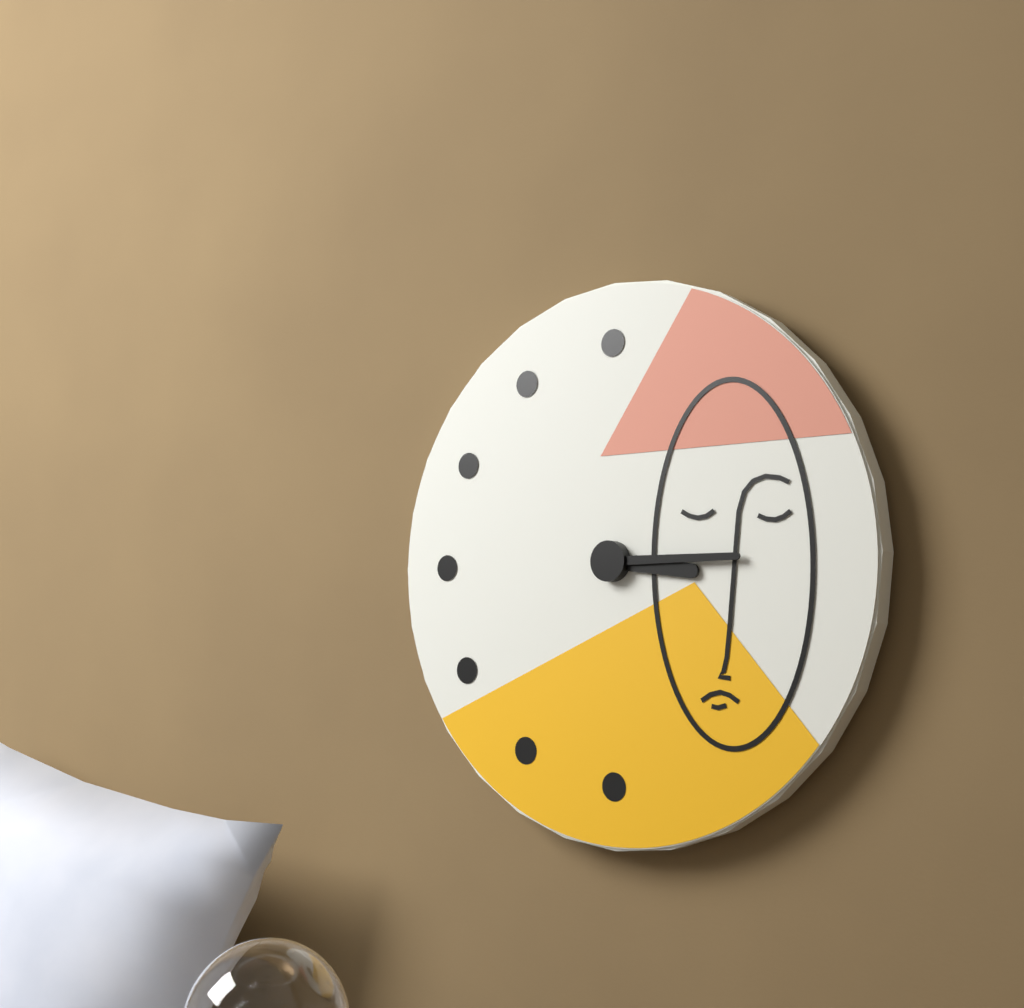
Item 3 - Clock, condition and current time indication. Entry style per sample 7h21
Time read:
3h15
